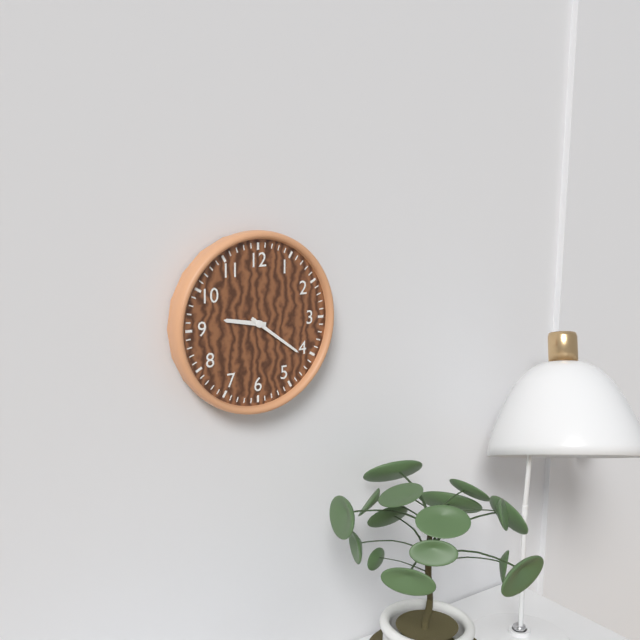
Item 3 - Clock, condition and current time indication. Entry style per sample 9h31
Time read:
9h21
